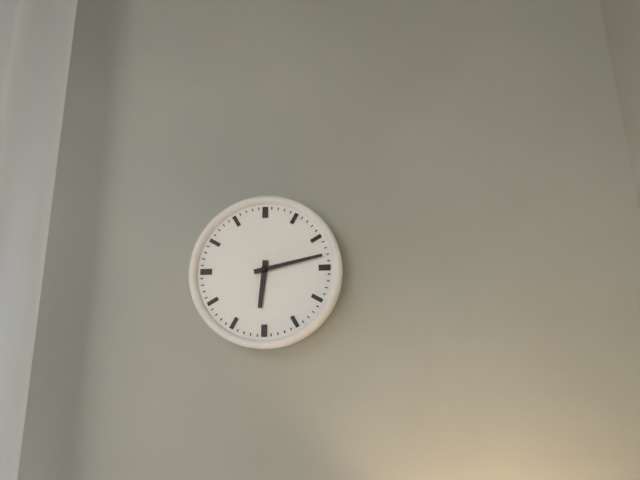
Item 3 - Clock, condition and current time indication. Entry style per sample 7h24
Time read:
6h13
